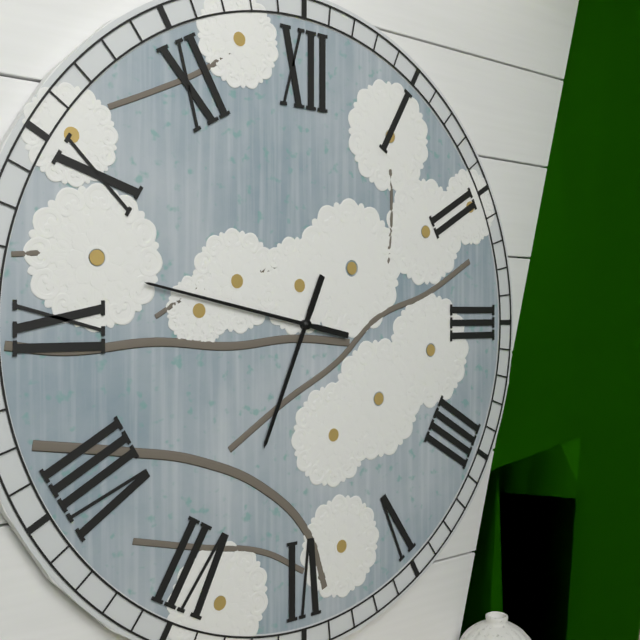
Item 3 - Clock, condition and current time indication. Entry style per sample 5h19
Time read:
6h47
